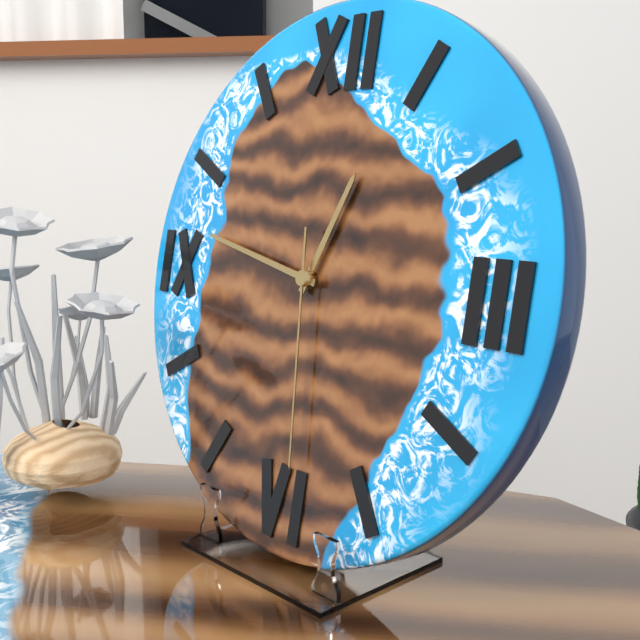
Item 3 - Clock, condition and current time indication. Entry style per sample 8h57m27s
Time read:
12h47m29s
